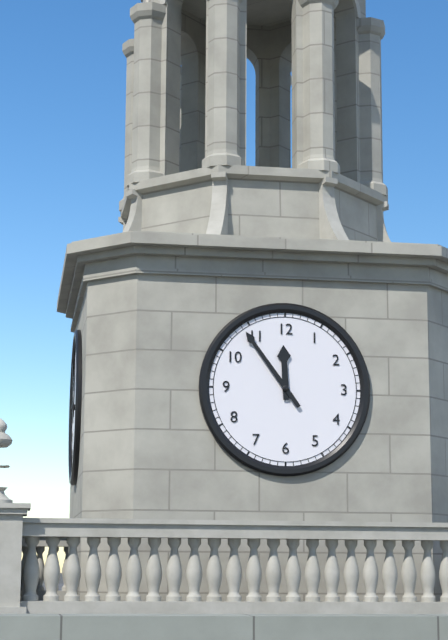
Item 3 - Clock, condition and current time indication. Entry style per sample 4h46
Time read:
11h54
